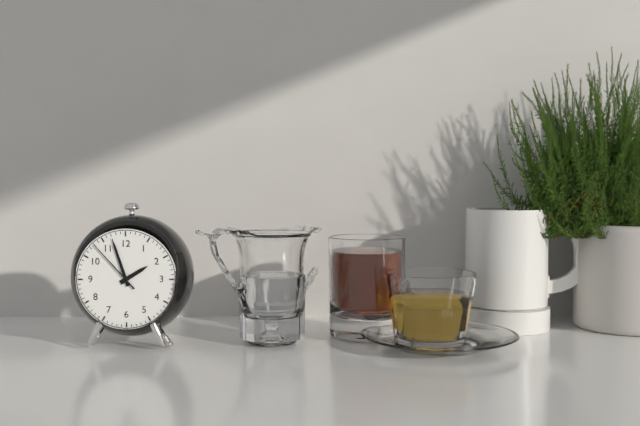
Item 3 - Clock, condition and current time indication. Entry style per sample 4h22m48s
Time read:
1h57m53s
